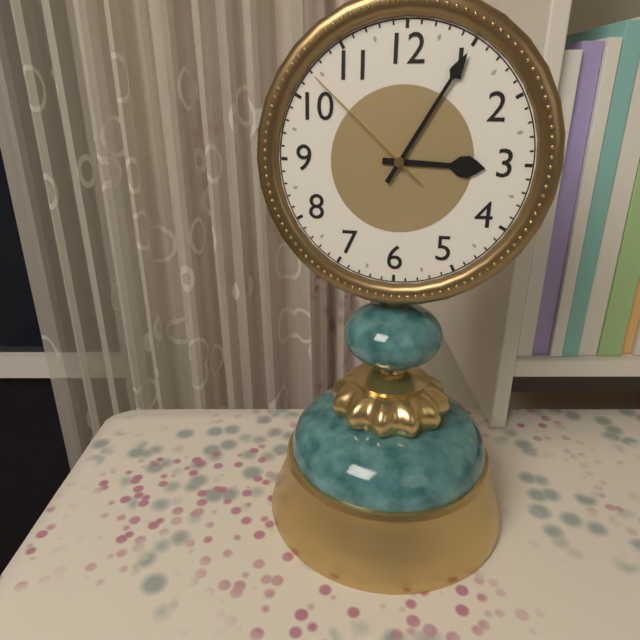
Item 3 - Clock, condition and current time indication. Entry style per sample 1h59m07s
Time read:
3h05m52s
